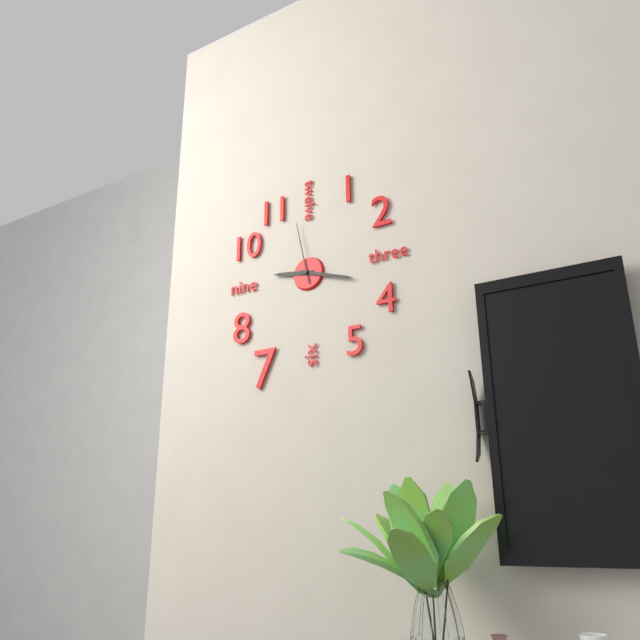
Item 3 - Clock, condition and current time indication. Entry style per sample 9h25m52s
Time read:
9h18m58s
